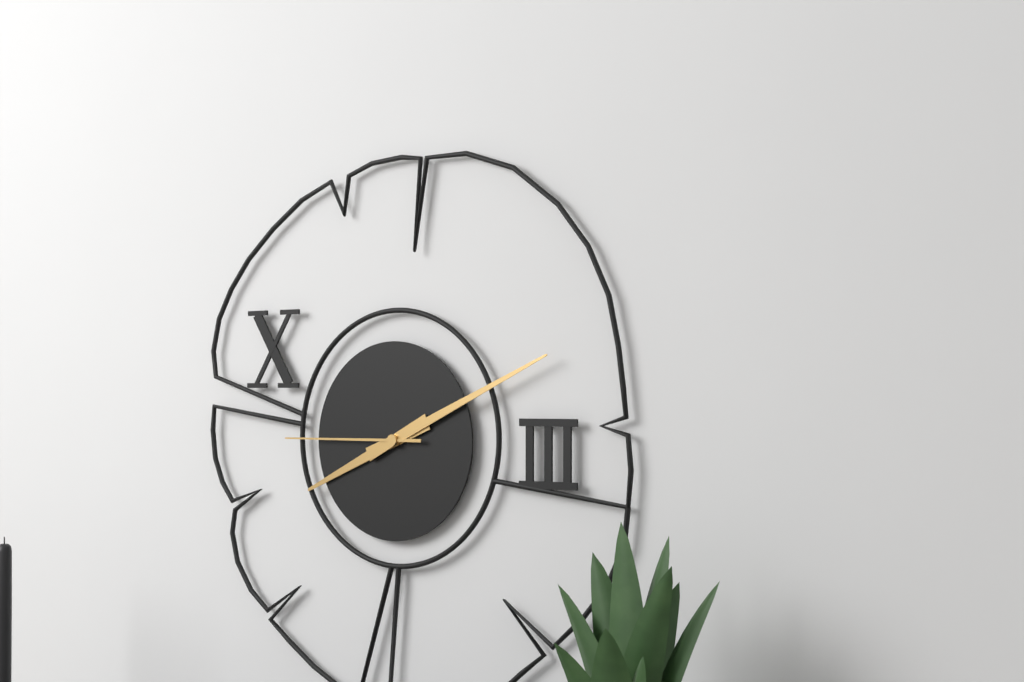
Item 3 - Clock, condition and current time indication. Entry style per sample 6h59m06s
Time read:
8h11m45s
